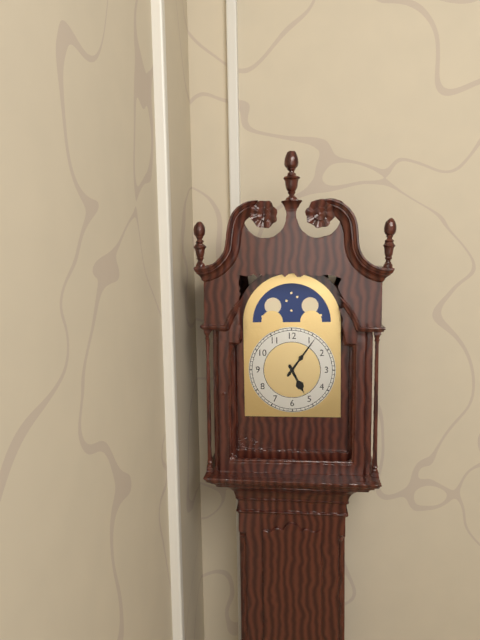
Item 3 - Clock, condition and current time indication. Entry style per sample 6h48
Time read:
5h06
